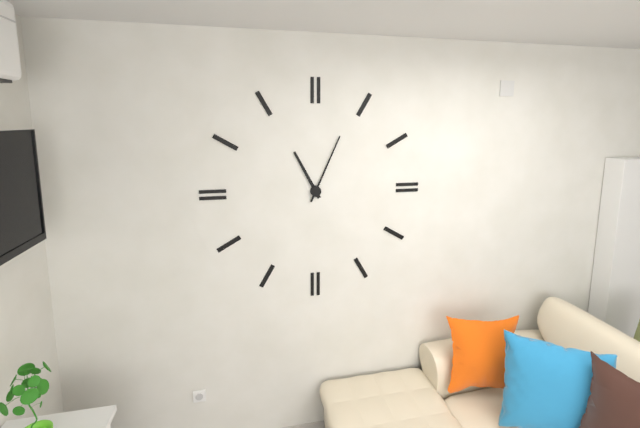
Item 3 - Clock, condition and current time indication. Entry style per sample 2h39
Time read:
11h04
